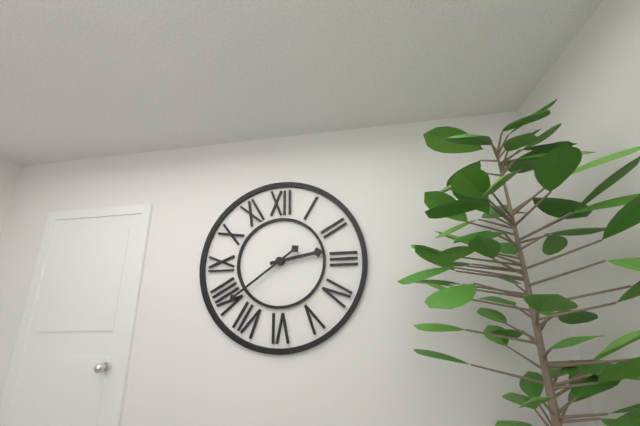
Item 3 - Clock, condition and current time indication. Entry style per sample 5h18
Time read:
2h39
